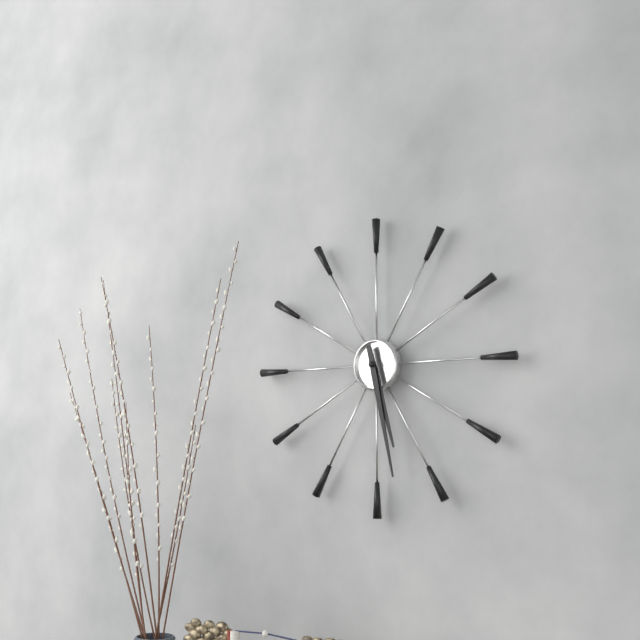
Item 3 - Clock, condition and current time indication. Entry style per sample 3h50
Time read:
5h28
